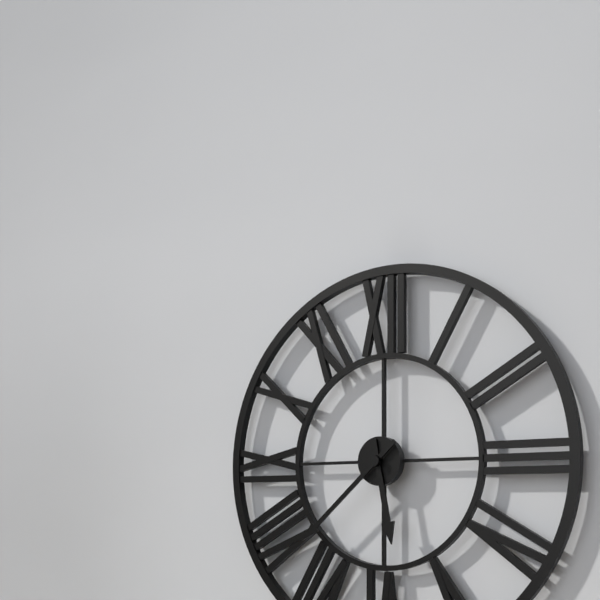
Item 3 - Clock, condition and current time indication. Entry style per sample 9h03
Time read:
5h38
